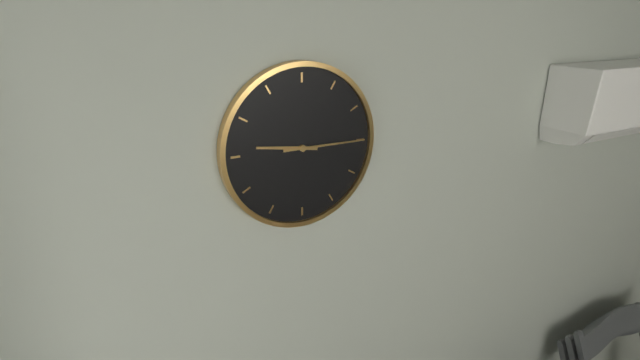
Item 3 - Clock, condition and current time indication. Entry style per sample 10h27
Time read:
9h15
